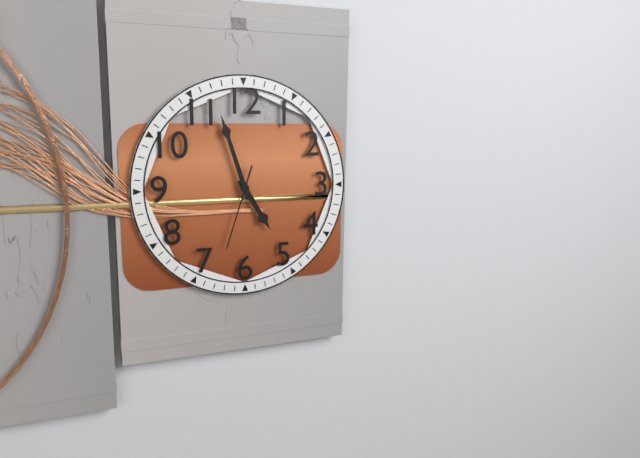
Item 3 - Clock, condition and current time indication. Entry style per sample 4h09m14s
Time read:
4h57m33s
